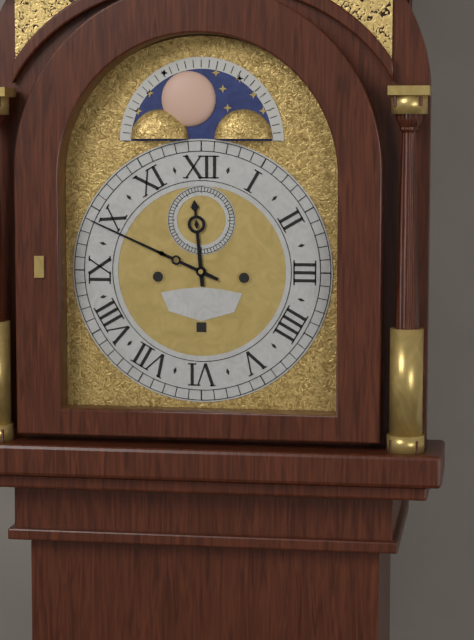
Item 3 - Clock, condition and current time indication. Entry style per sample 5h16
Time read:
11h49
